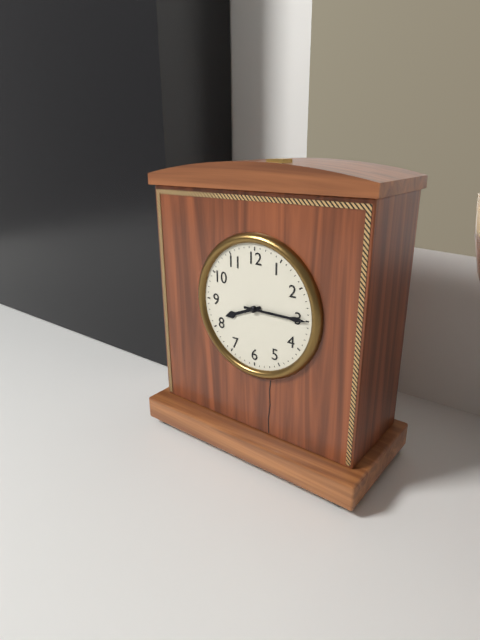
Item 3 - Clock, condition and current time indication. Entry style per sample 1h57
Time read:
8h15
